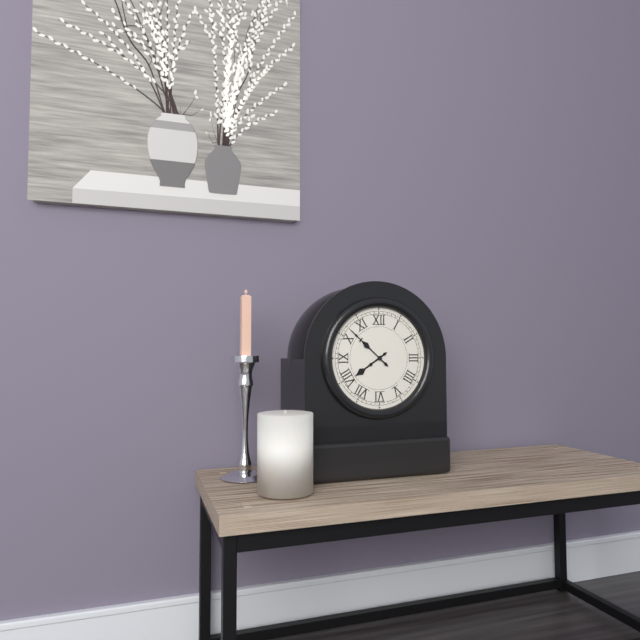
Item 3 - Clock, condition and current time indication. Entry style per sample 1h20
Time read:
7h52
